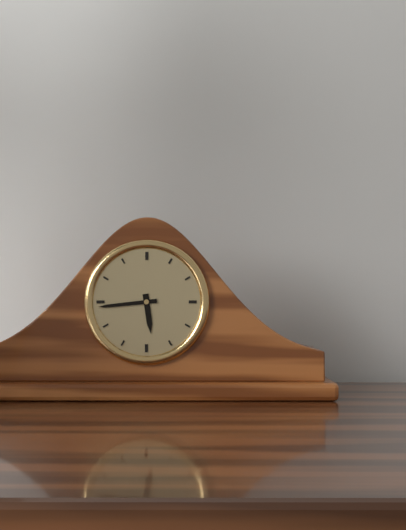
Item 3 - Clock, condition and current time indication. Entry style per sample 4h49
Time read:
5h44
